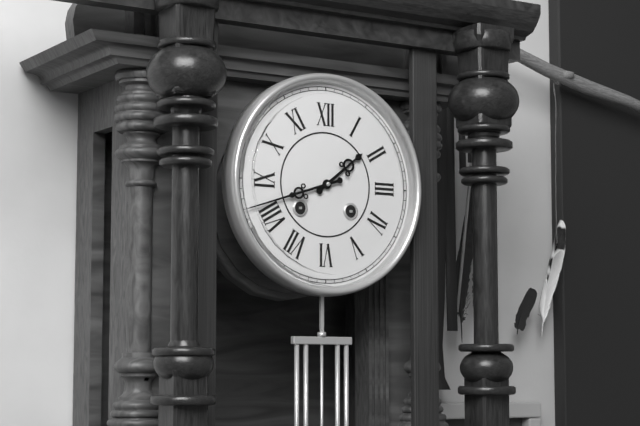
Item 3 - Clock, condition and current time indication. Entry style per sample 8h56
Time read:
1h42
